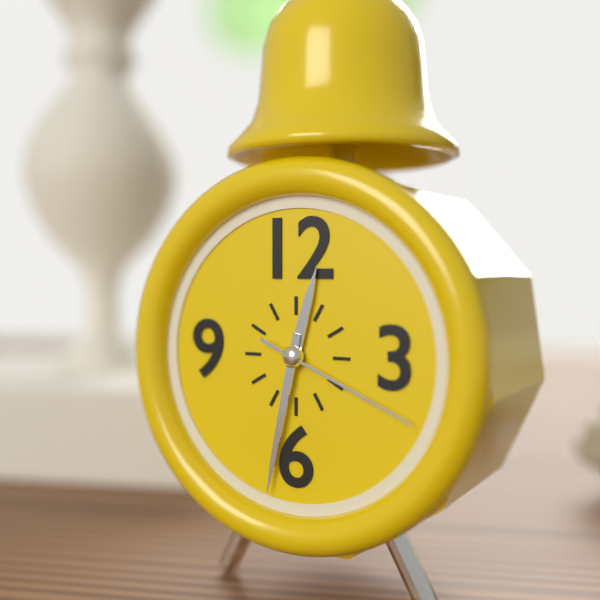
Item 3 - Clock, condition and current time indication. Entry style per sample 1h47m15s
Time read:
12h32m19s
